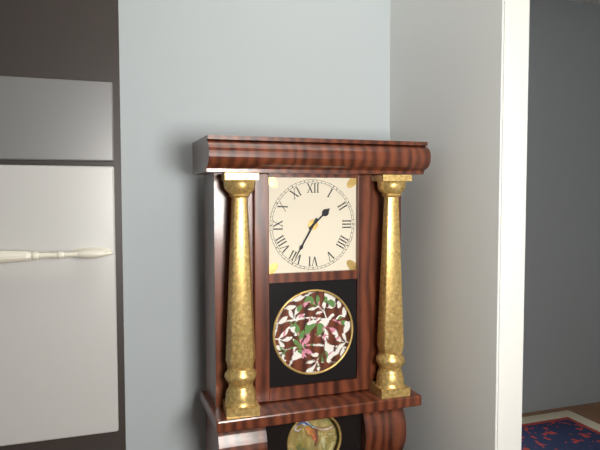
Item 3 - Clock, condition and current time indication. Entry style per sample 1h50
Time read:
1h35
